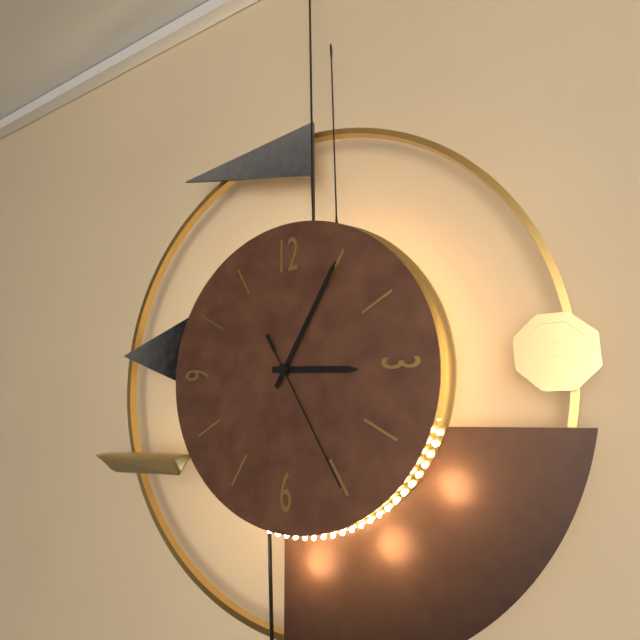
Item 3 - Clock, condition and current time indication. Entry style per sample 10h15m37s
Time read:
3h05m25s
